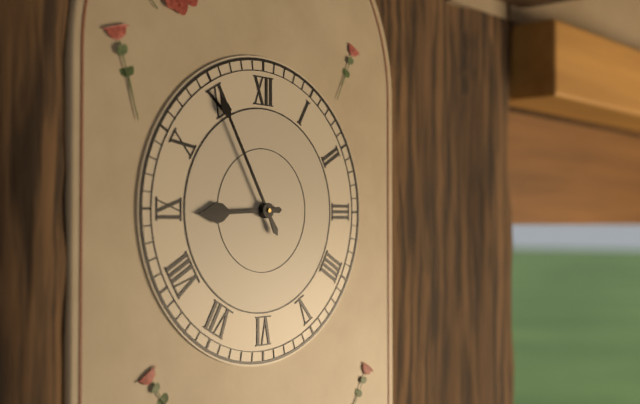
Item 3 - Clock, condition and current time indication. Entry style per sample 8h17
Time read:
8h55
